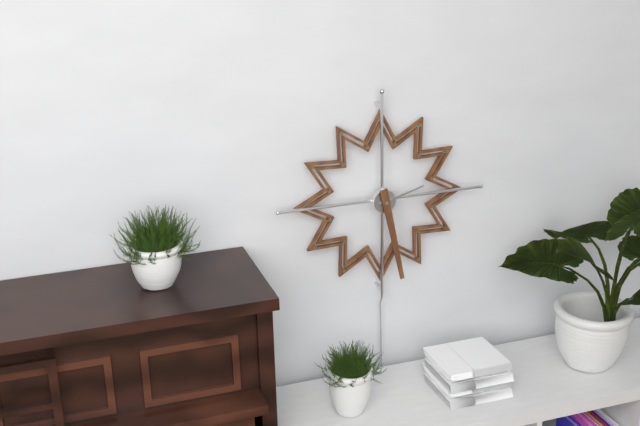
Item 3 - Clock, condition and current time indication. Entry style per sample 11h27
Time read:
2h28
